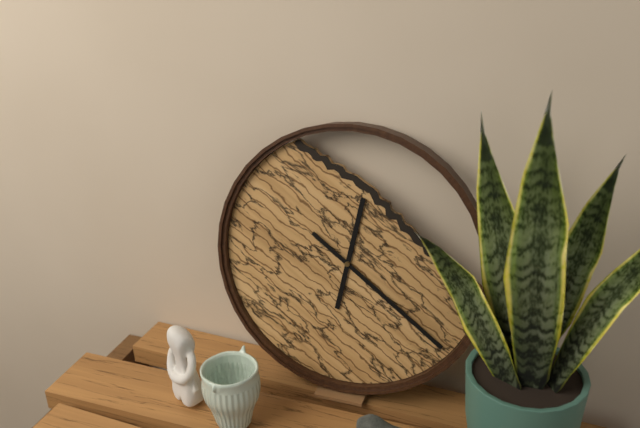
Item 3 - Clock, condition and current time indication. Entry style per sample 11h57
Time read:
12h21
